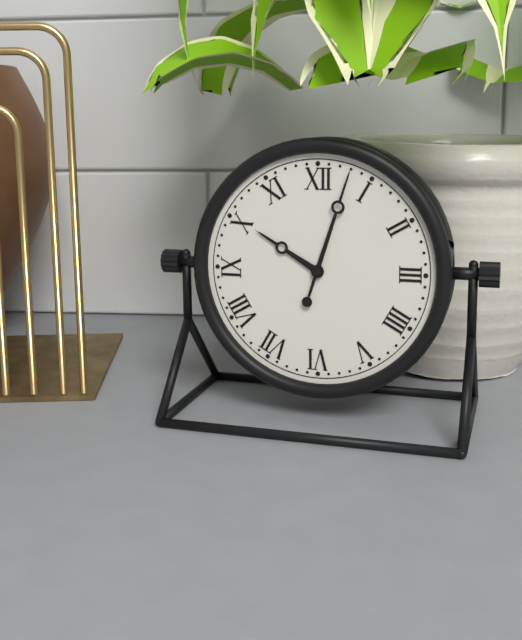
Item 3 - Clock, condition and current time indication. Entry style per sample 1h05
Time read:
10h03
